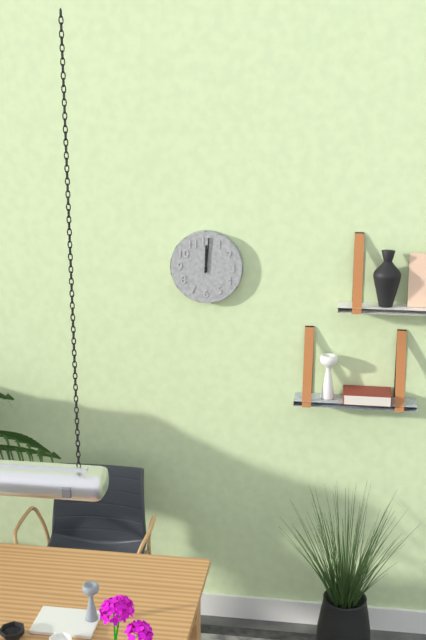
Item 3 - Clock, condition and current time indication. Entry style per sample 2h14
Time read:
12h01
